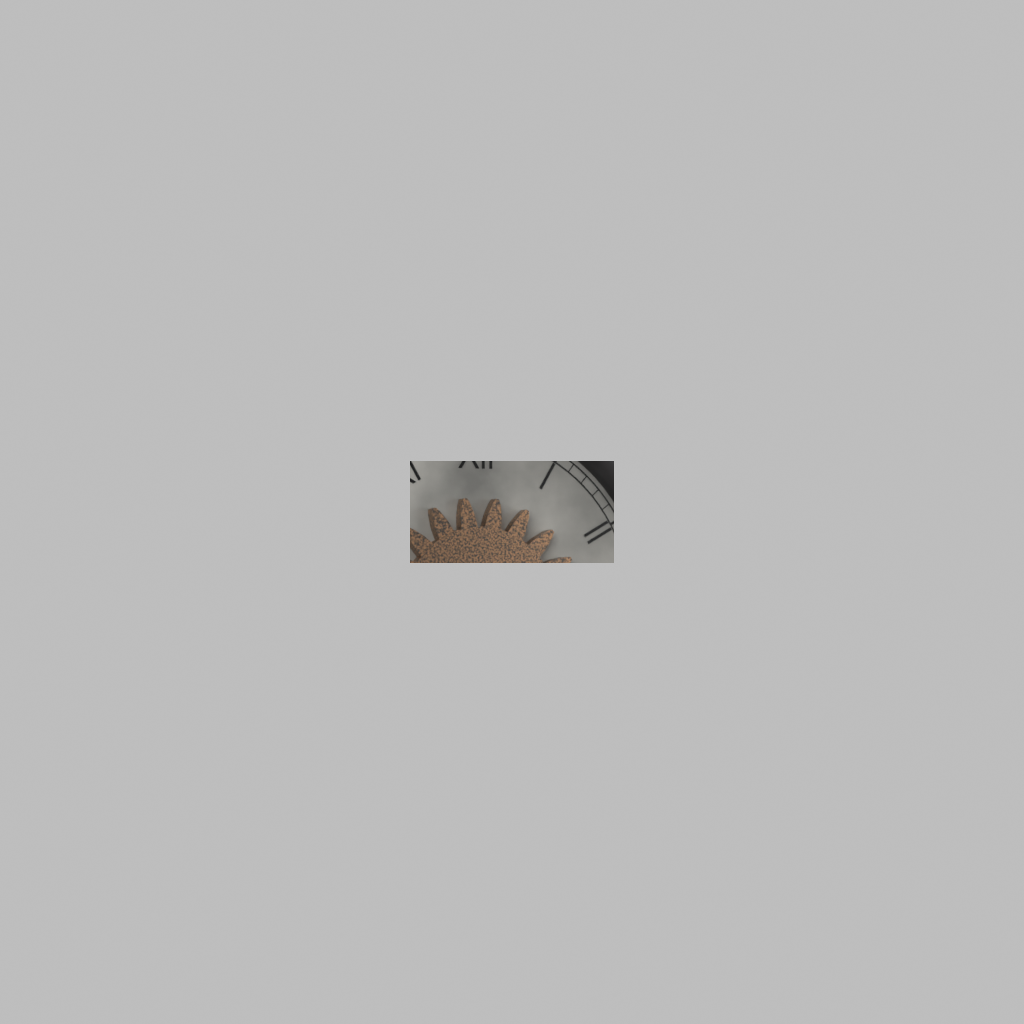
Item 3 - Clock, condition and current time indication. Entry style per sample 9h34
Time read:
5h25
